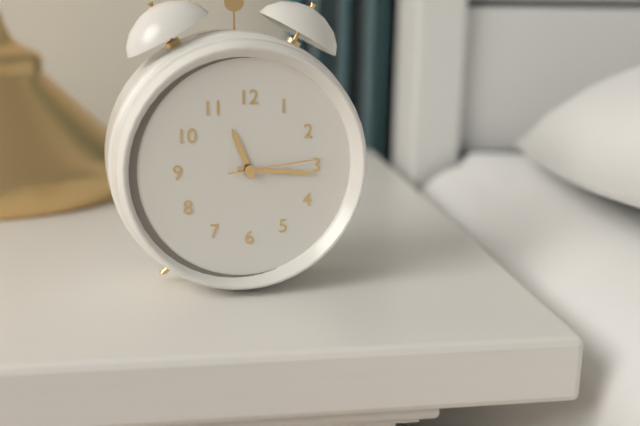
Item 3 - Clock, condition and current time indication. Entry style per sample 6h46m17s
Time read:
11h16m14s
